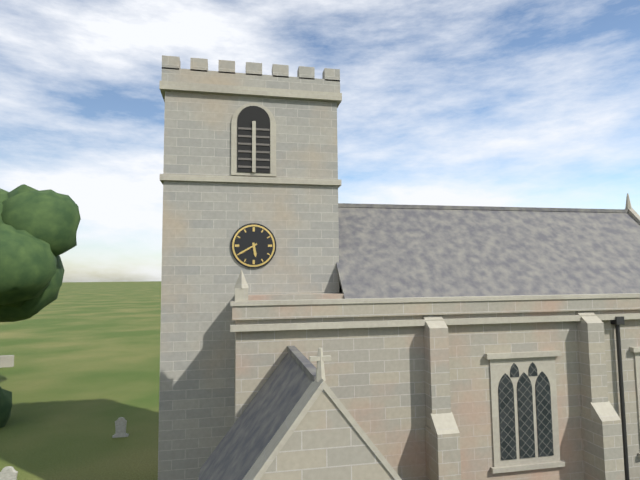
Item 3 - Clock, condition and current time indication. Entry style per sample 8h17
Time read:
5h40
